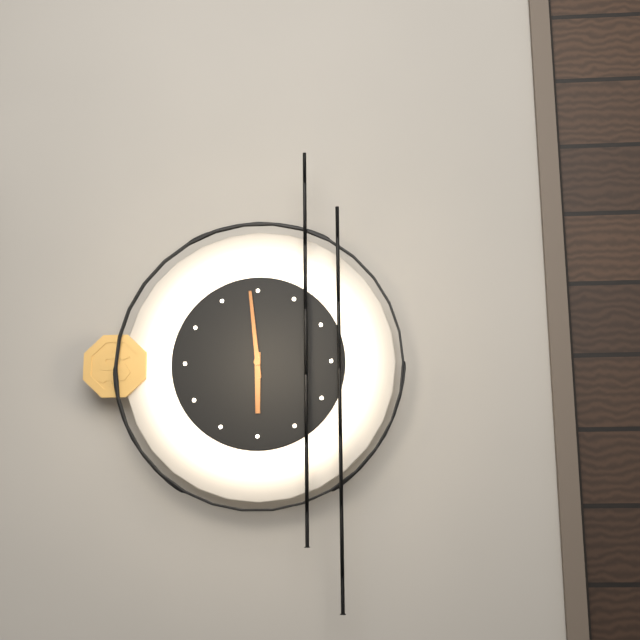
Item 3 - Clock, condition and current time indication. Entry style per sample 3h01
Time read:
5h59
